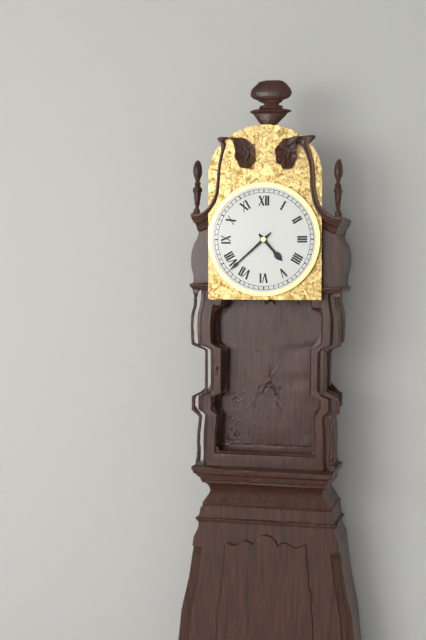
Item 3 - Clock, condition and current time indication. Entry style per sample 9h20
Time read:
4h38
